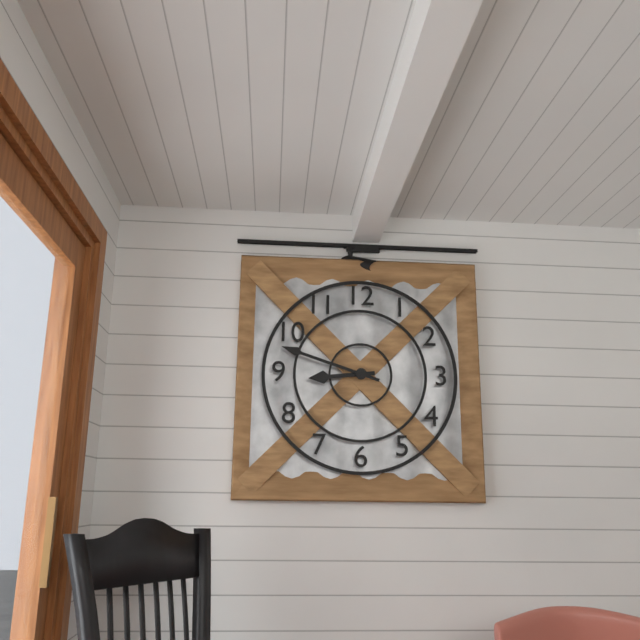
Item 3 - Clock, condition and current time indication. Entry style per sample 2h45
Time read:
8h48
